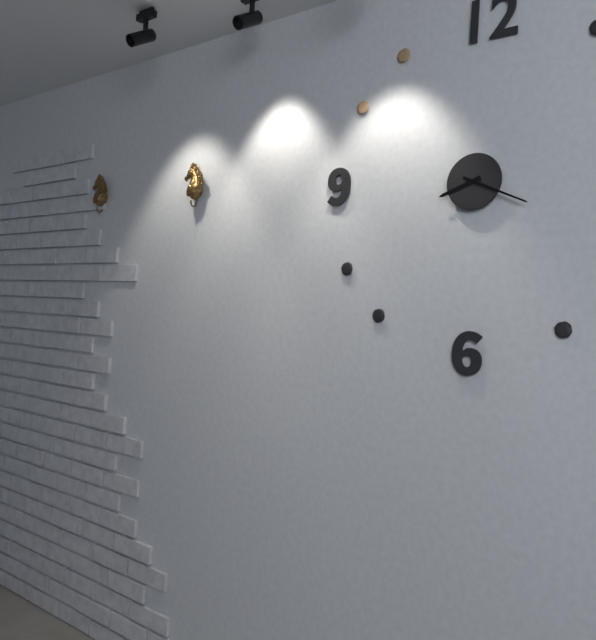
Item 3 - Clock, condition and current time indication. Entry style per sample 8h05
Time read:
8h19
